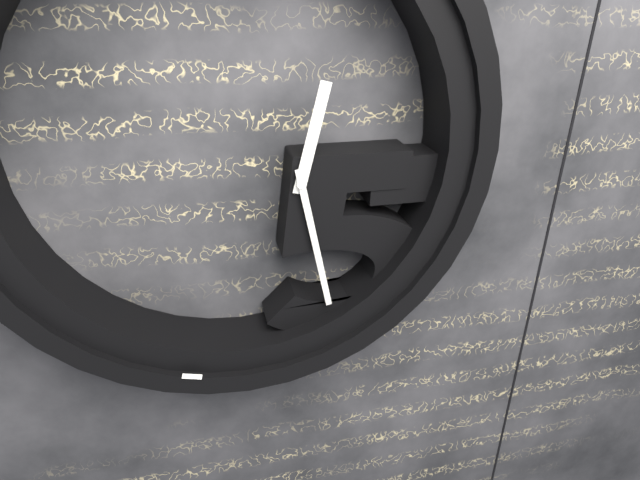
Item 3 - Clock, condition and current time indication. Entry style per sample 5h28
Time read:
12h28
